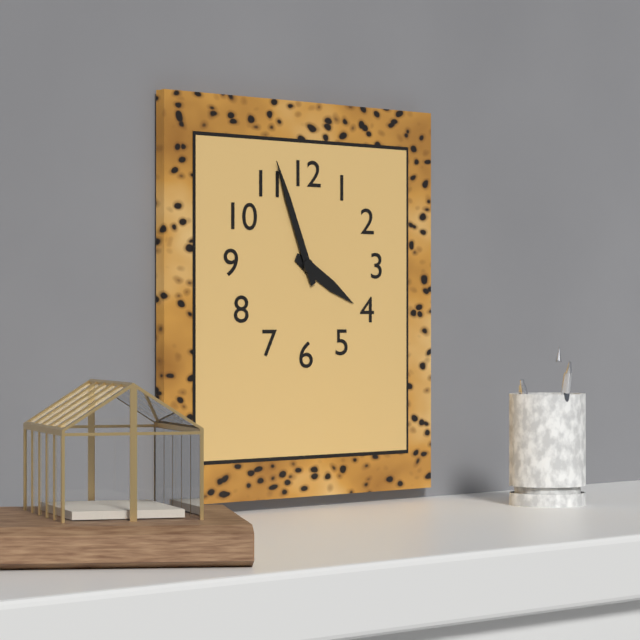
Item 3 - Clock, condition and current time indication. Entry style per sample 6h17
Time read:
3h56
